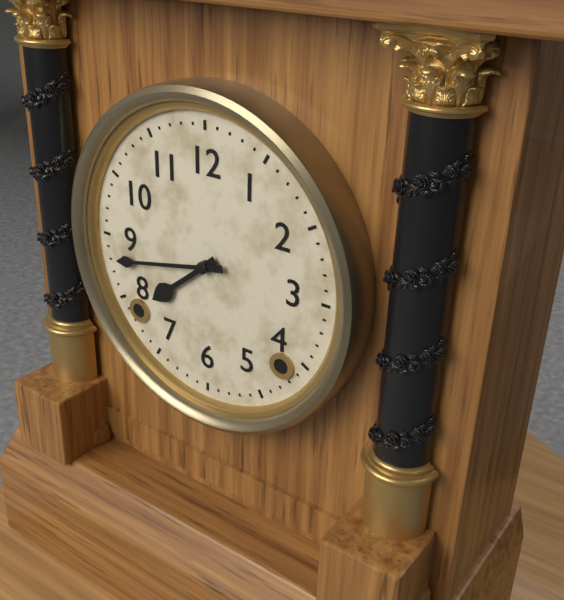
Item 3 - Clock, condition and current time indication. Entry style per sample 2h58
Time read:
7h43
